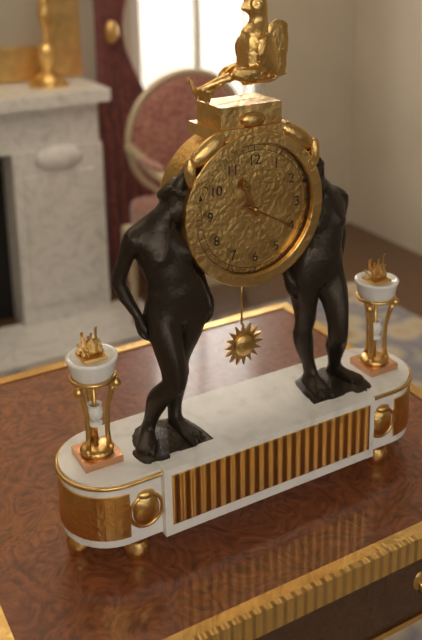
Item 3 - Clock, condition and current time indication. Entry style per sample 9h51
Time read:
11h20
